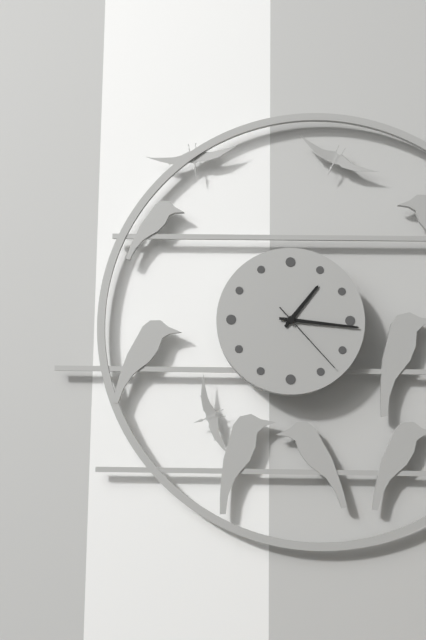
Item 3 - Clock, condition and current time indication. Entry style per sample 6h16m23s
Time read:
1h16m23s
